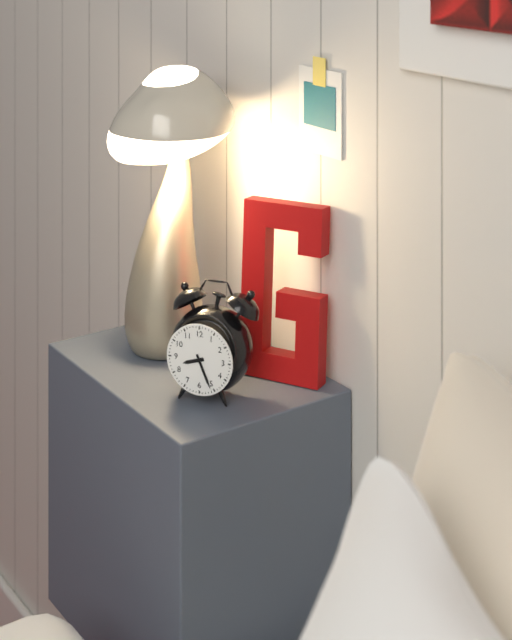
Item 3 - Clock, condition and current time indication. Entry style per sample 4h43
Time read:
8h26
